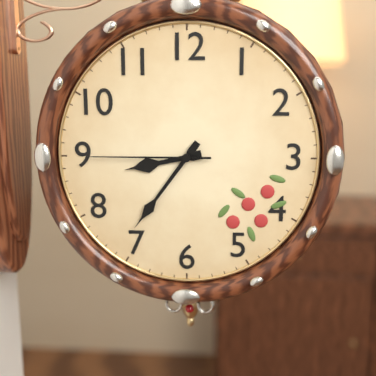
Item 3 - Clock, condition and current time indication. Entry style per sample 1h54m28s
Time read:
8h36m45s
